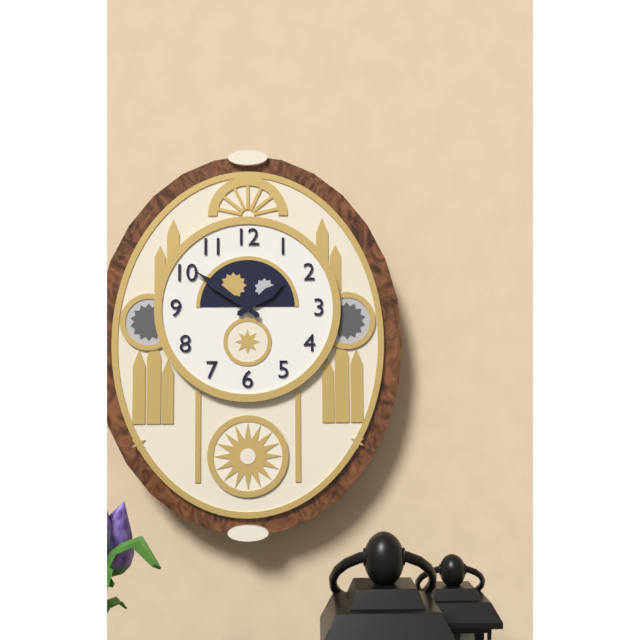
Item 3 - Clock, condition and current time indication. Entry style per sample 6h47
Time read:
1h51
